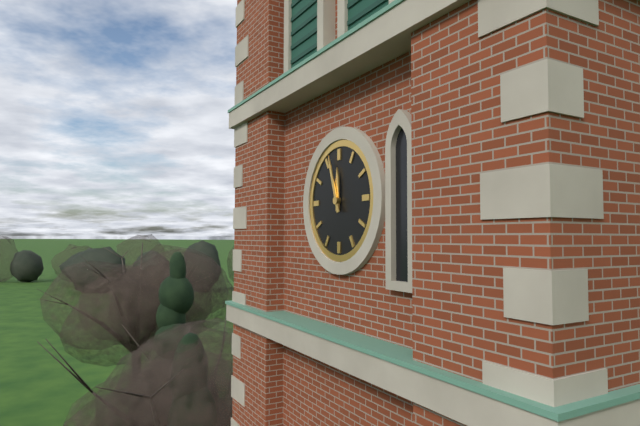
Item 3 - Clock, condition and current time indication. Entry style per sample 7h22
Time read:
11h57
